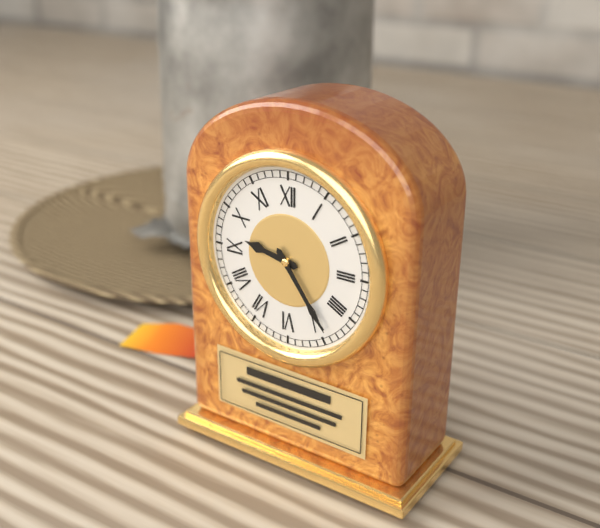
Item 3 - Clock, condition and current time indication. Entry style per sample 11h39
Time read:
9h24
